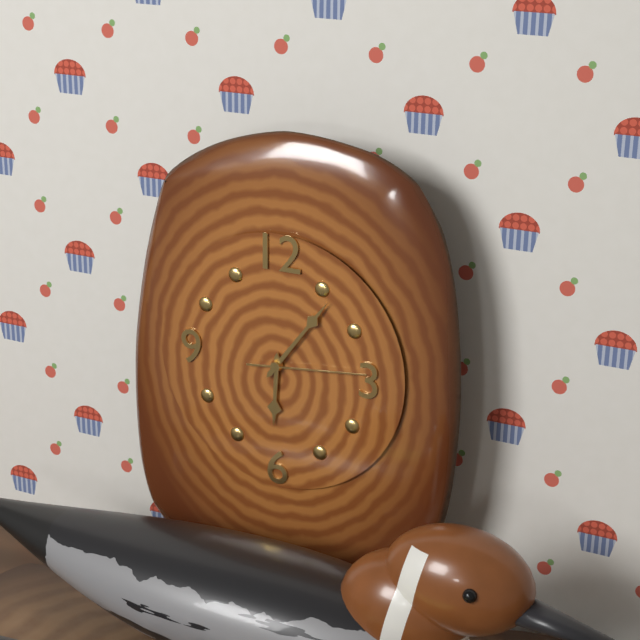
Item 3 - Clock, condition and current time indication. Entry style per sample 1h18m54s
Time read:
6h06m14s
